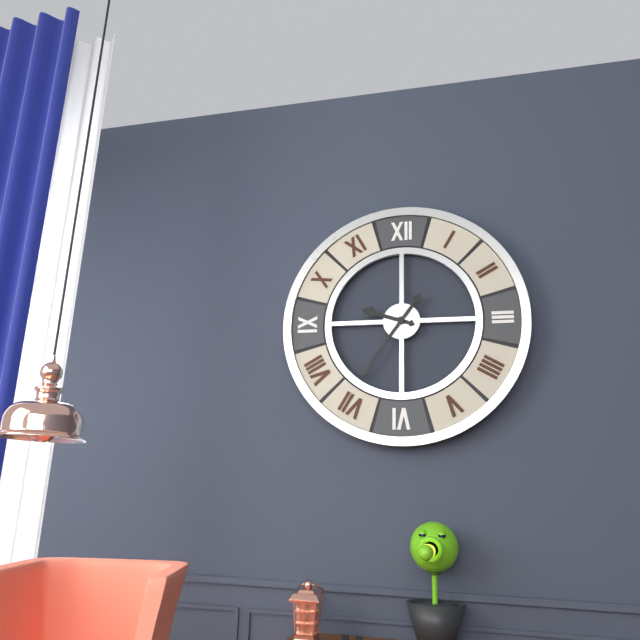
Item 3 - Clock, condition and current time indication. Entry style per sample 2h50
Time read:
9h36
